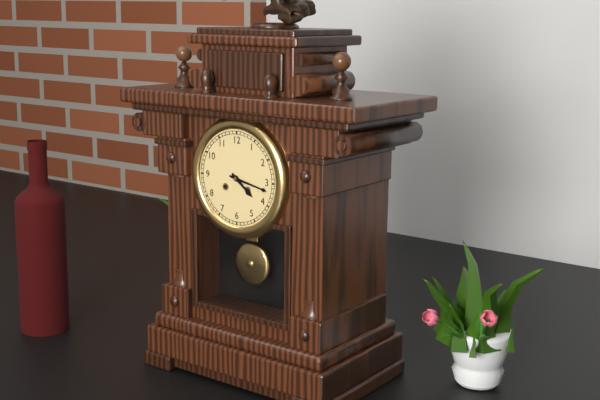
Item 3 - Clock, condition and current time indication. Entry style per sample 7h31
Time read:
4h17
